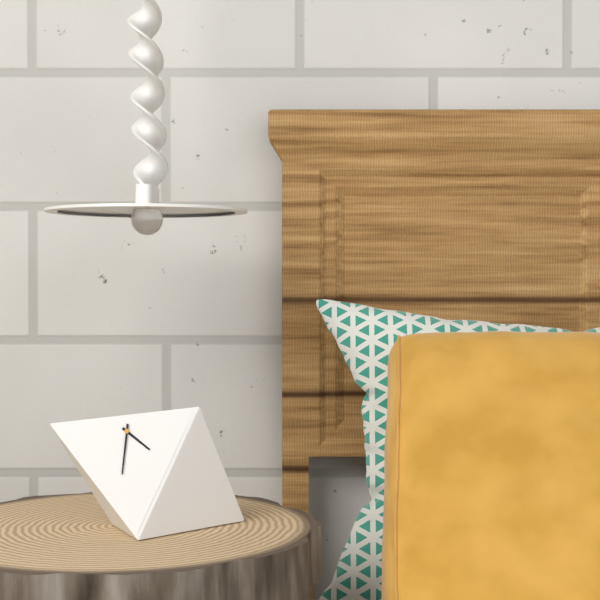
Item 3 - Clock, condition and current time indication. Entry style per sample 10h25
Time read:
4h32
